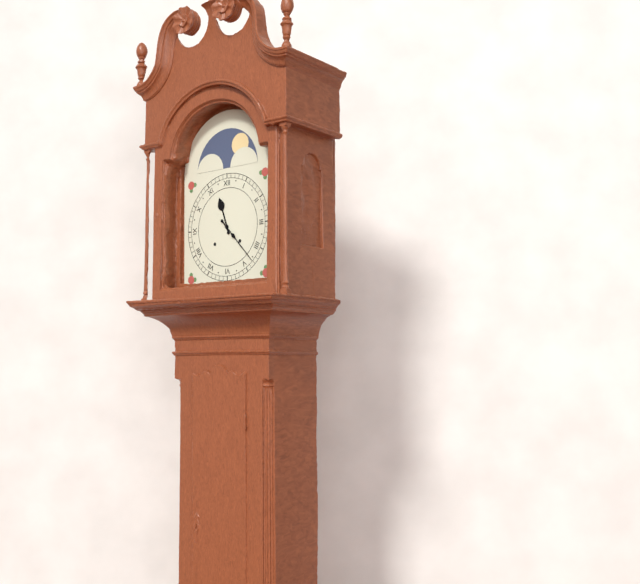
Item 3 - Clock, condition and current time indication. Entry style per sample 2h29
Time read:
11h23
